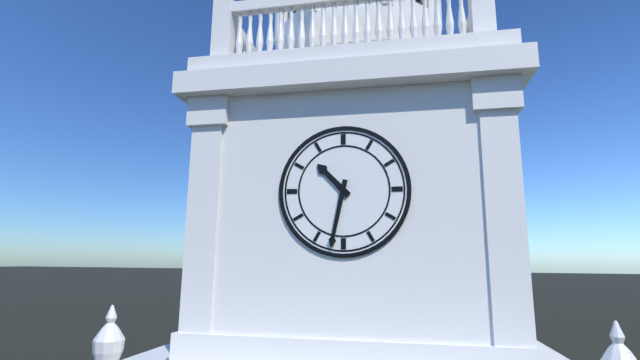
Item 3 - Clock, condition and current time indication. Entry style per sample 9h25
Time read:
10h32
